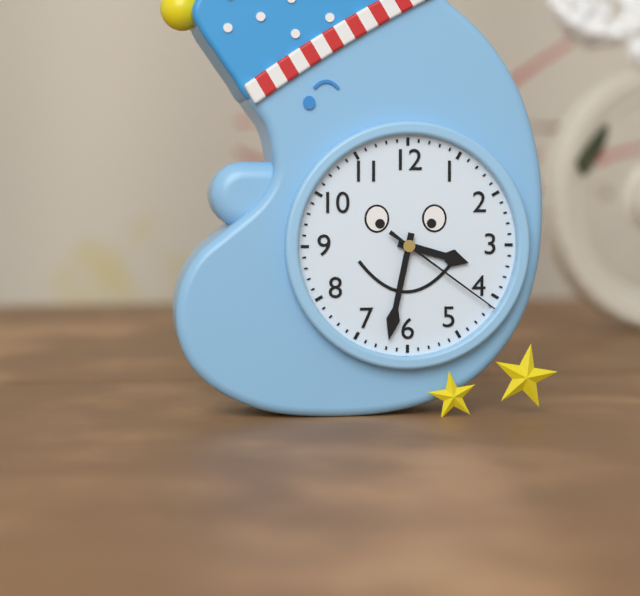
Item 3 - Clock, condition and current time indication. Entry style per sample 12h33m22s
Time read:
3h32m21s
